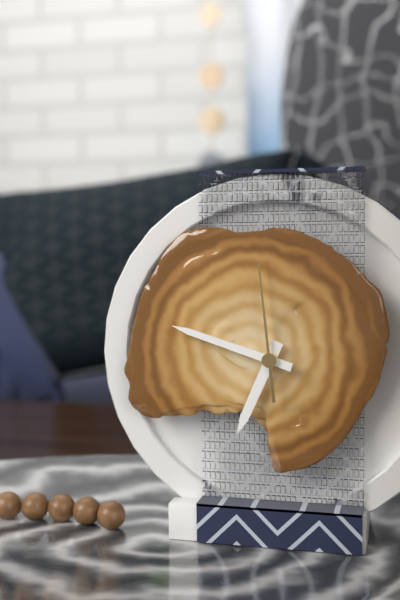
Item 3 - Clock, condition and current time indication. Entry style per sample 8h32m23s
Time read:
6h48m59s
